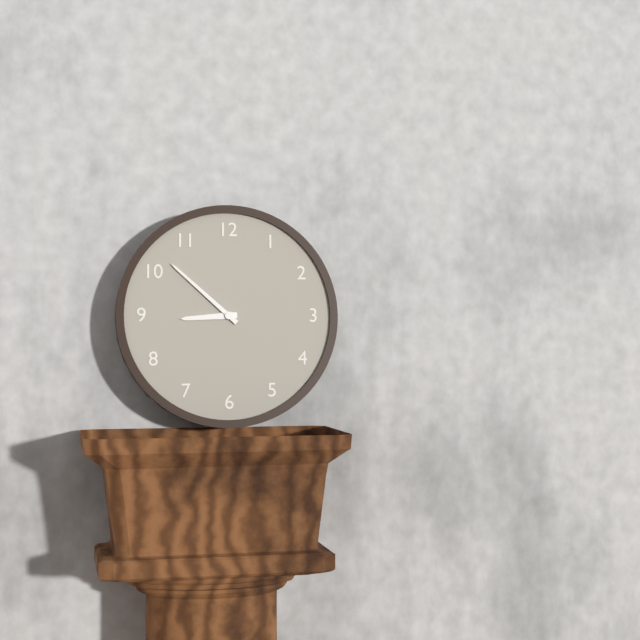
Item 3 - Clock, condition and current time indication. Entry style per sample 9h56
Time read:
8h52
